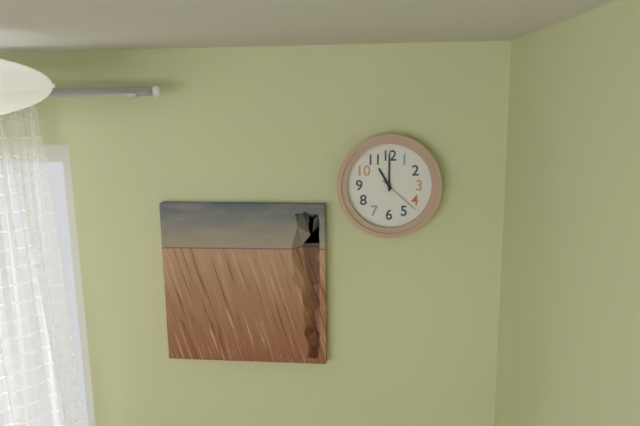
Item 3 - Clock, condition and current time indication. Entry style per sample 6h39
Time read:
11h00
